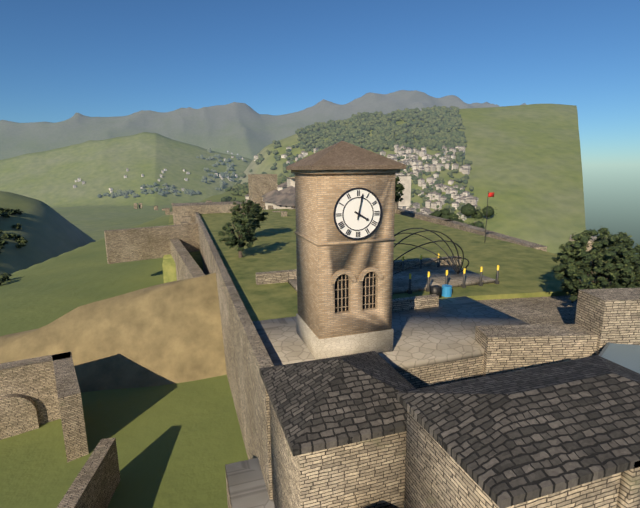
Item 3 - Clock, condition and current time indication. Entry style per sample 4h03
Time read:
4h02
